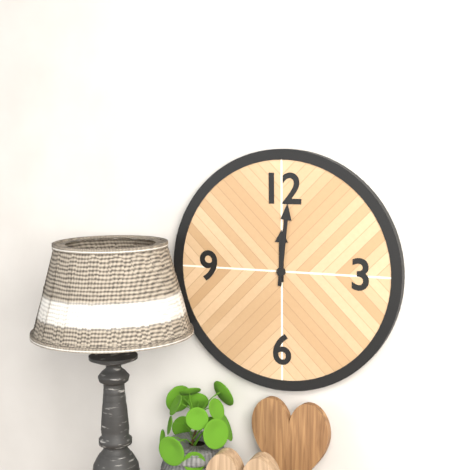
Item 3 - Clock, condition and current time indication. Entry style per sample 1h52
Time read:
12h01
